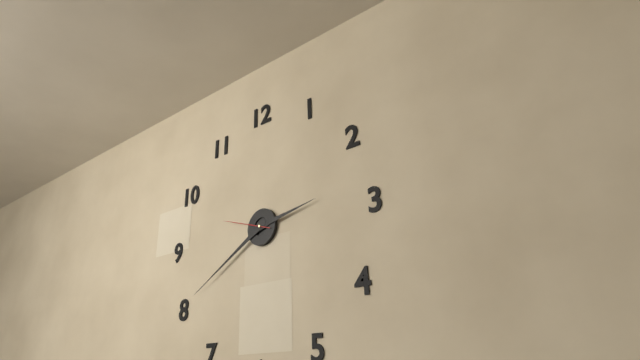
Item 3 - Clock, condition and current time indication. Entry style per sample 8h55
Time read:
2h40
